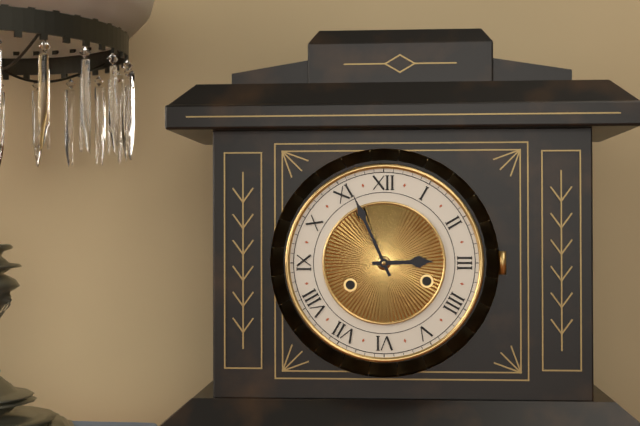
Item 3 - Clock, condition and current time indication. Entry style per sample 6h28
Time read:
2h56
